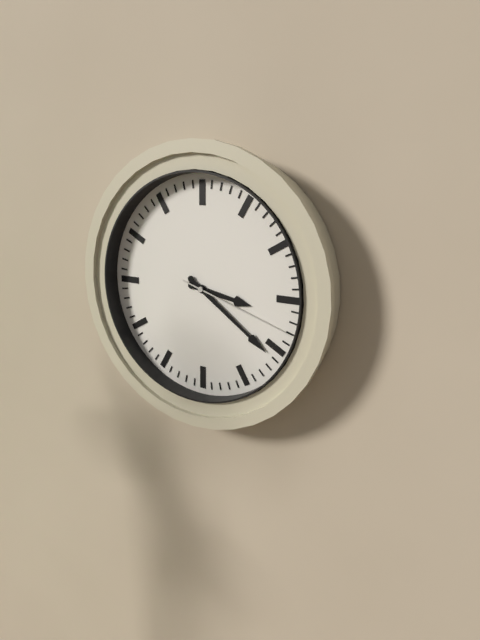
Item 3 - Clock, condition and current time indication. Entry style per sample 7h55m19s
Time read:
3h21m18s
